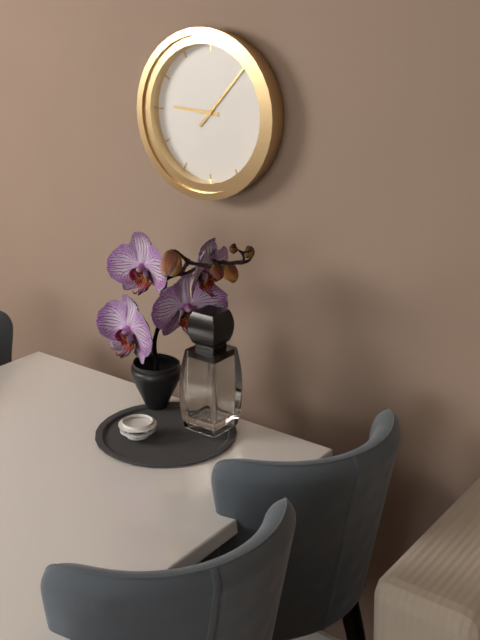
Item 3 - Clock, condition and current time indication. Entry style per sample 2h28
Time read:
9h07
